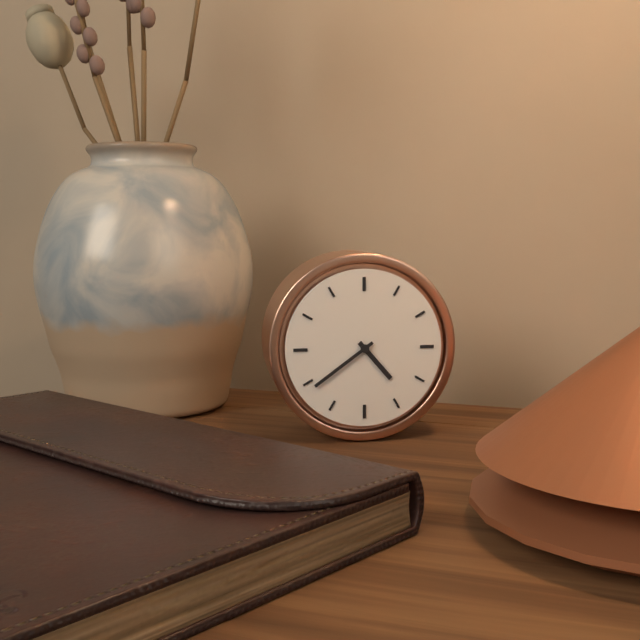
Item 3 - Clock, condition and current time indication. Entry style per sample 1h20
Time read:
4h39
